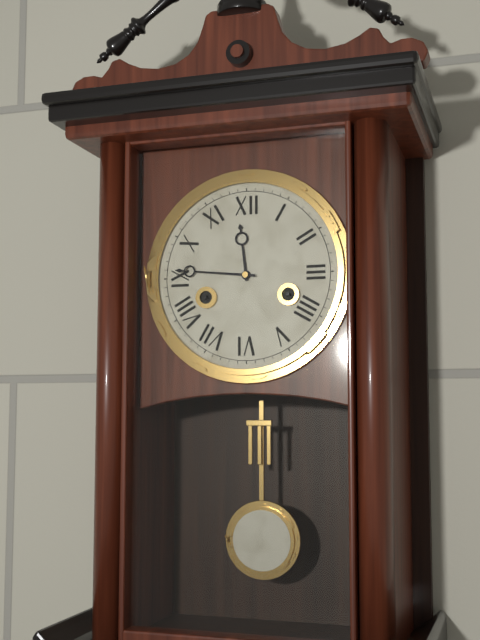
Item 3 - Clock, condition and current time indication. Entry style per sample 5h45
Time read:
11h46
